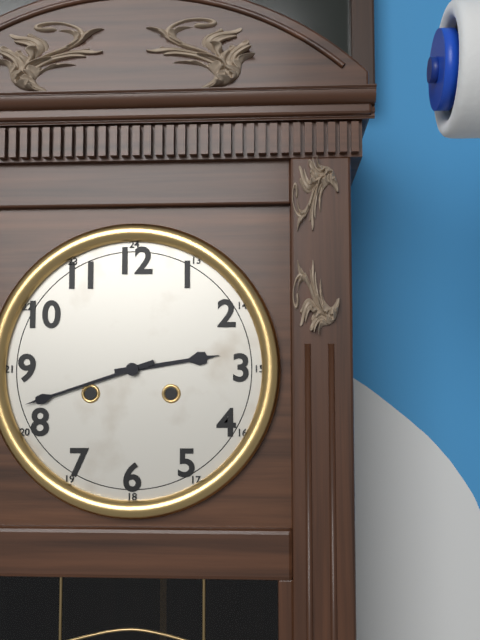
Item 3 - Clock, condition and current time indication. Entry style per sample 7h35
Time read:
2h42
